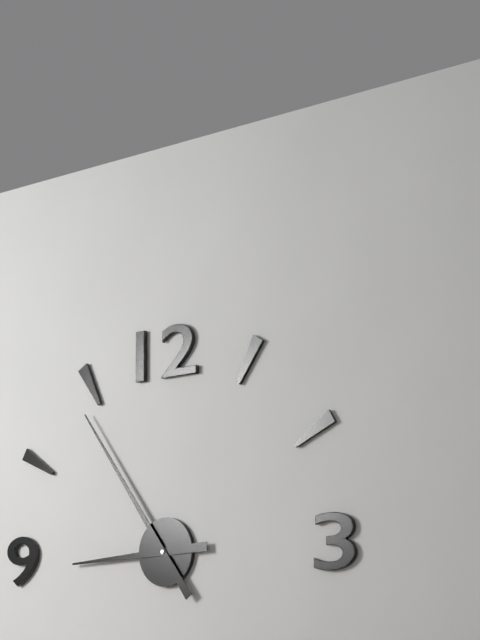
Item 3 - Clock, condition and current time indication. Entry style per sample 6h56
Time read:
8h54
